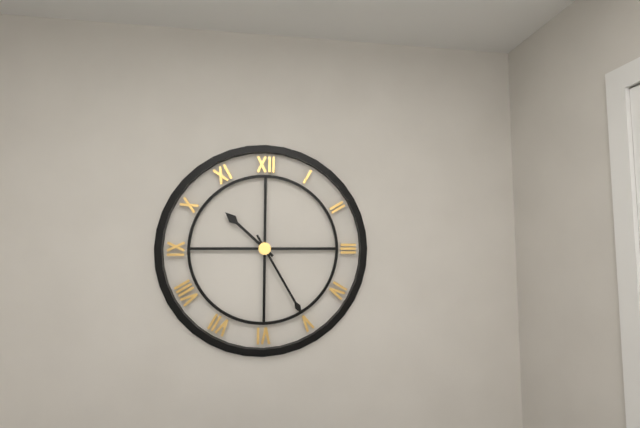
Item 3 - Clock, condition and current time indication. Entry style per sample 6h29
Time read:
10h25
